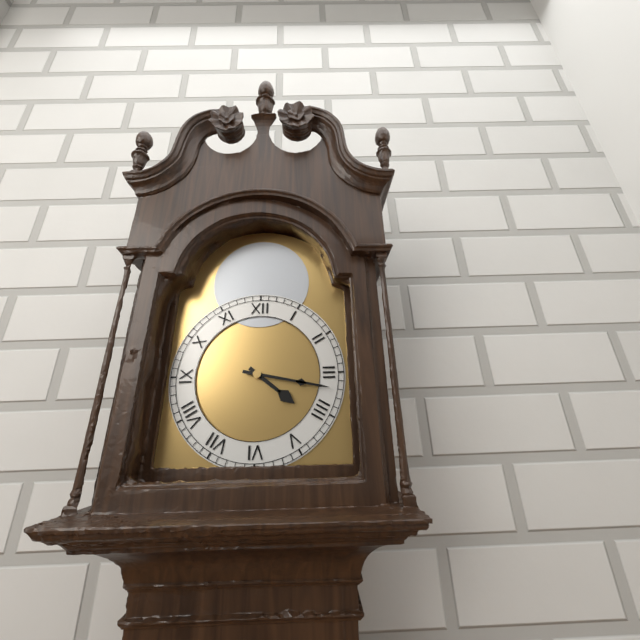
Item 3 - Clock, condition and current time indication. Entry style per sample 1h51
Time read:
4h17
